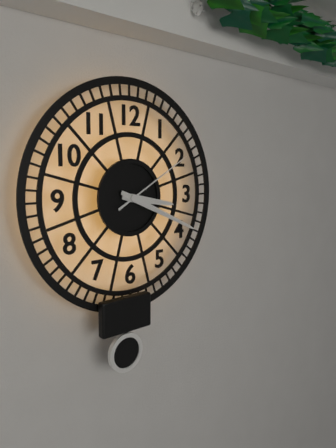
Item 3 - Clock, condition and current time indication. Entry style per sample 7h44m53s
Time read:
3h19m10s
